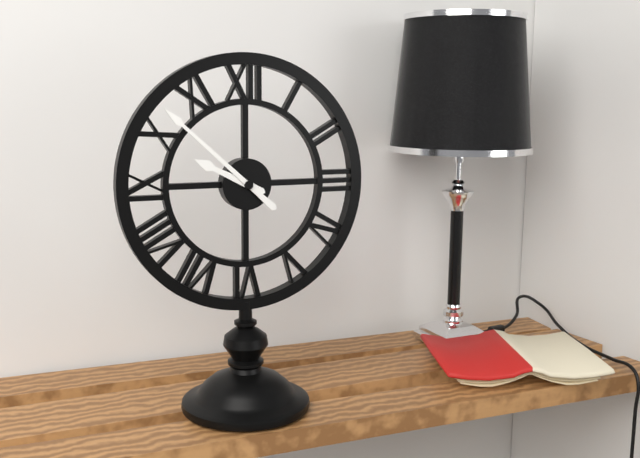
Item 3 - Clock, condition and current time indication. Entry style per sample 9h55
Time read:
9h52
